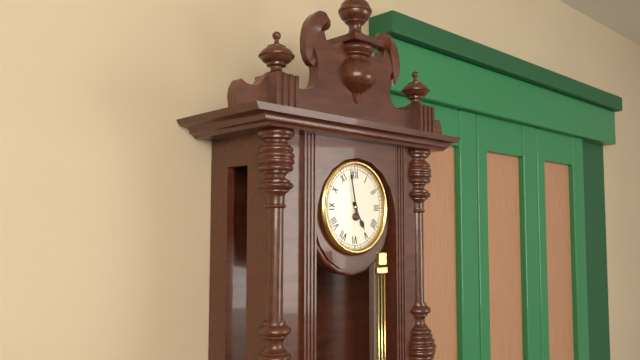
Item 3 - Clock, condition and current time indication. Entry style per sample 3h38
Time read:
4h58
